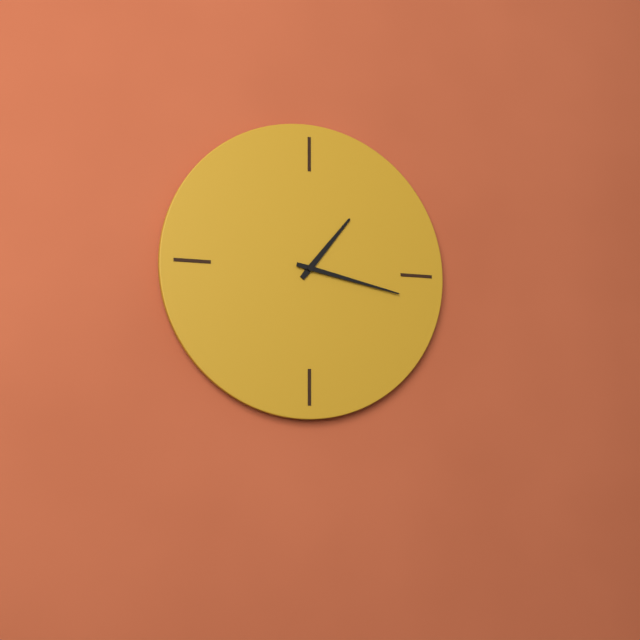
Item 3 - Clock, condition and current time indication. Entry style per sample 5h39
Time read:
1h17
